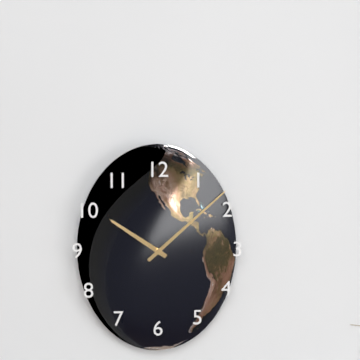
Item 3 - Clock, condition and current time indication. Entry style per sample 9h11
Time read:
10h08
